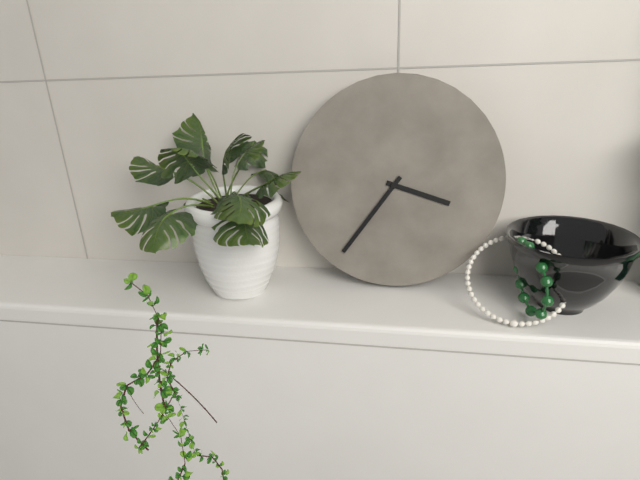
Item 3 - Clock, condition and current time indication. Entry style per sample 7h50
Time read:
3h36
